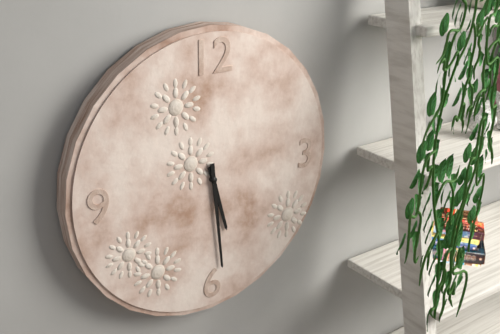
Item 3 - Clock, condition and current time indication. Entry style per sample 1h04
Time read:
5h29
